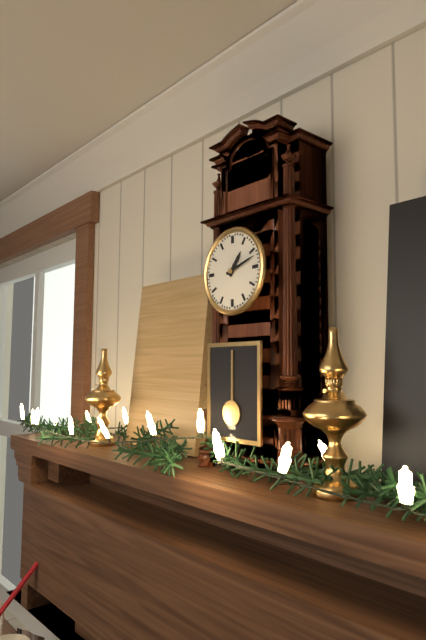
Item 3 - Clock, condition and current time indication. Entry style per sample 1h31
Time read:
1h12
